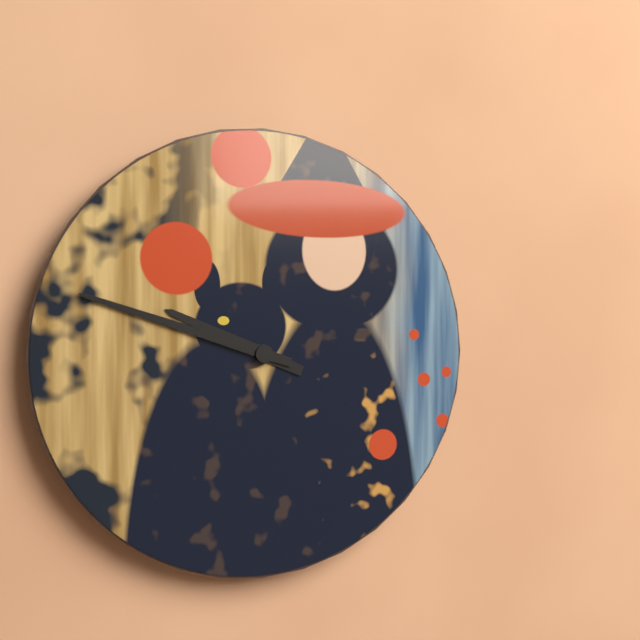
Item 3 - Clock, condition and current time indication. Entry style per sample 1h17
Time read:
9h48
